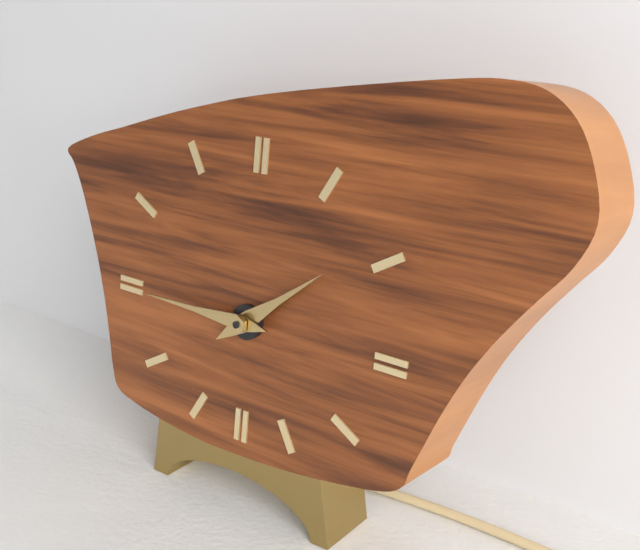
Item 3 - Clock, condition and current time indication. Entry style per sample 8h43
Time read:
1h45
